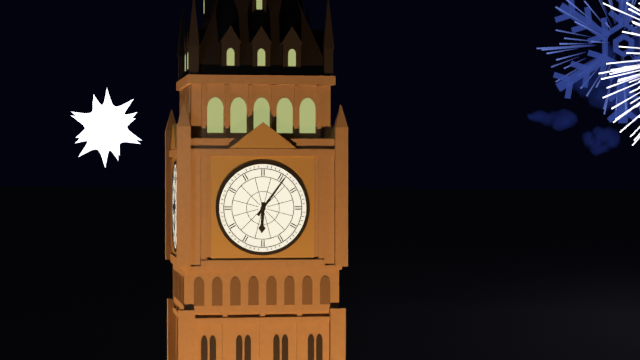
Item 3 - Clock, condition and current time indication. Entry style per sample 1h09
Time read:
6h06
